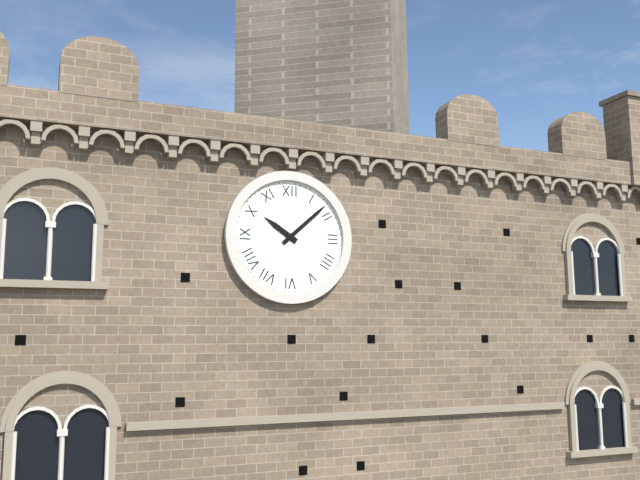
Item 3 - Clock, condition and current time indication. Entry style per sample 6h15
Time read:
10h08
